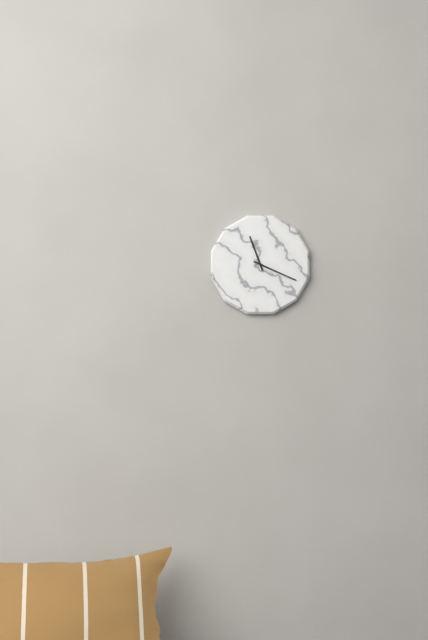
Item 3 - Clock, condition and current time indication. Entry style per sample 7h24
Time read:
11h19
